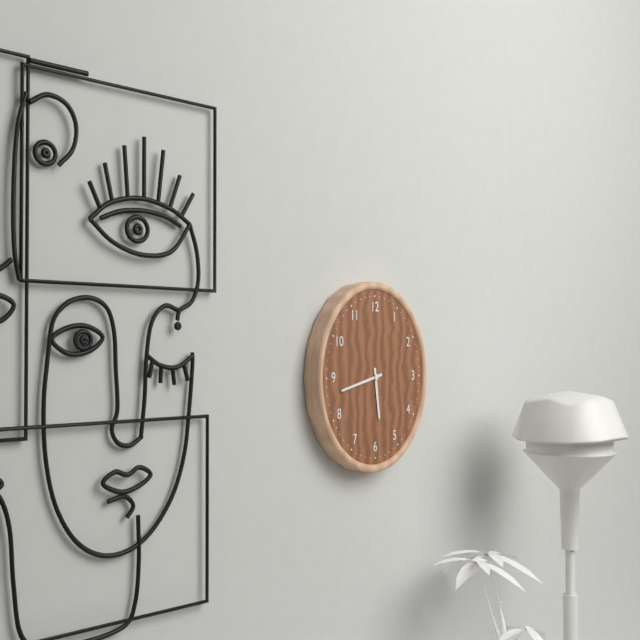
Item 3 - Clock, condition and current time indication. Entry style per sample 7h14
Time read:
5h43
